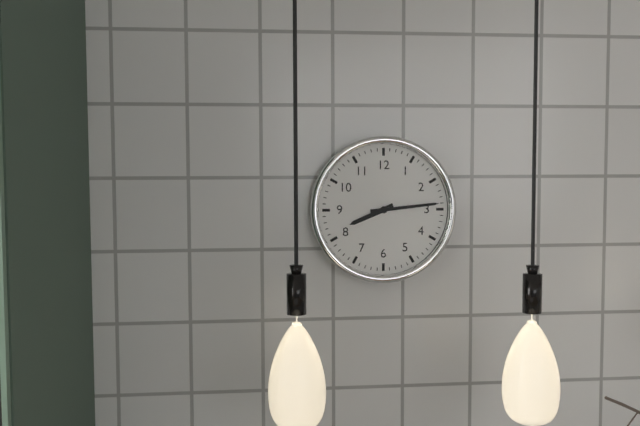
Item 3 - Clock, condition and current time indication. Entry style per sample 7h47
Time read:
8h14
